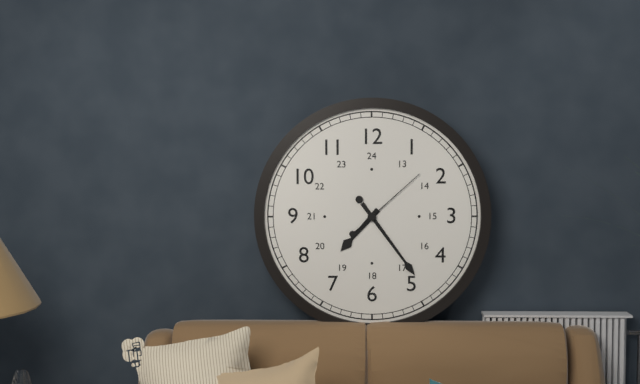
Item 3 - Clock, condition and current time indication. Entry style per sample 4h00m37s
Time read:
7h24m08s
